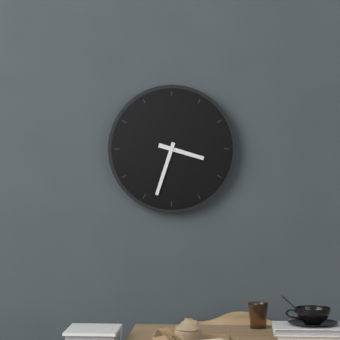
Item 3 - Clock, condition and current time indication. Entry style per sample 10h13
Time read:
3h33
